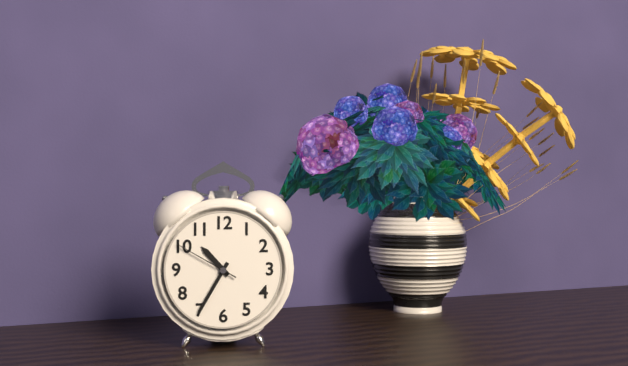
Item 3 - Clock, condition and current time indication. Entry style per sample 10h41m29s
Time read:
10h35m50s
